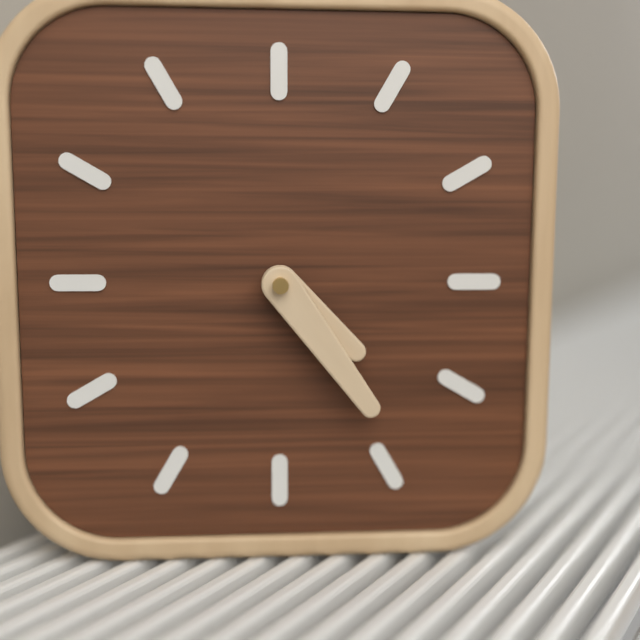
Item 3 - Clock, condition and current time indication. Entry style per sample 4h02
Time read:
4h24
